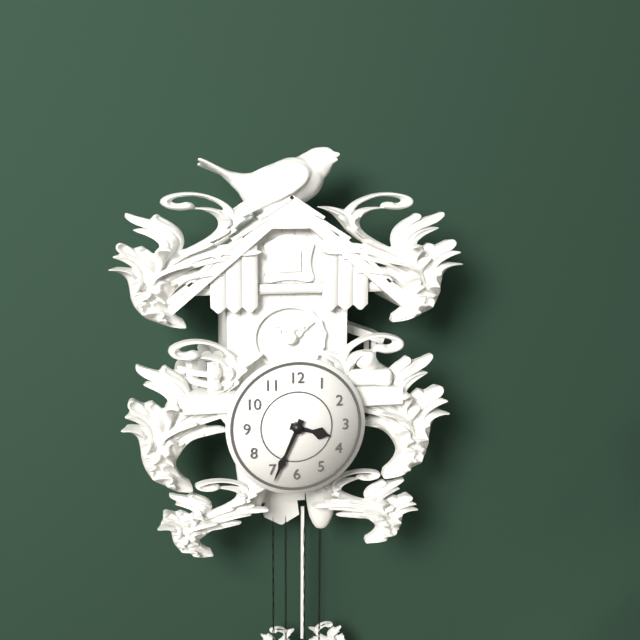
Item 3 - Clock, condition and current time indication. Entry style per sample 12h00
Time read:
3h34
